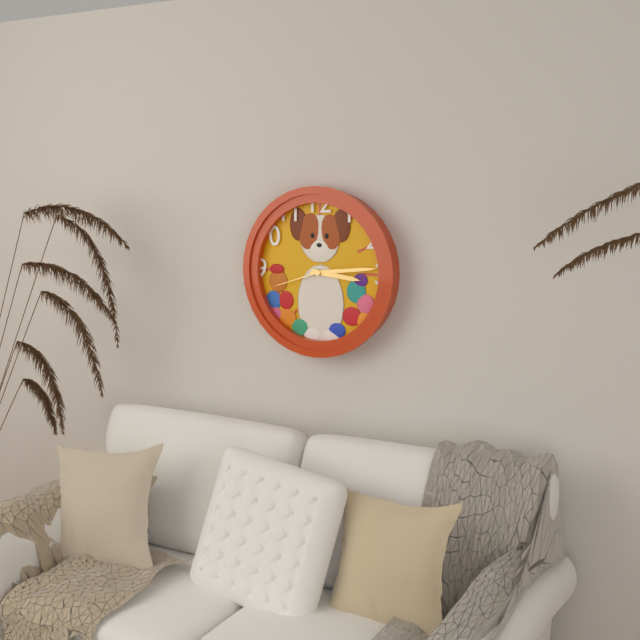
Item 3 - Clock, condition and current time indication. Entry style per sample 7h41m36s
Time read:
3h14m42s
